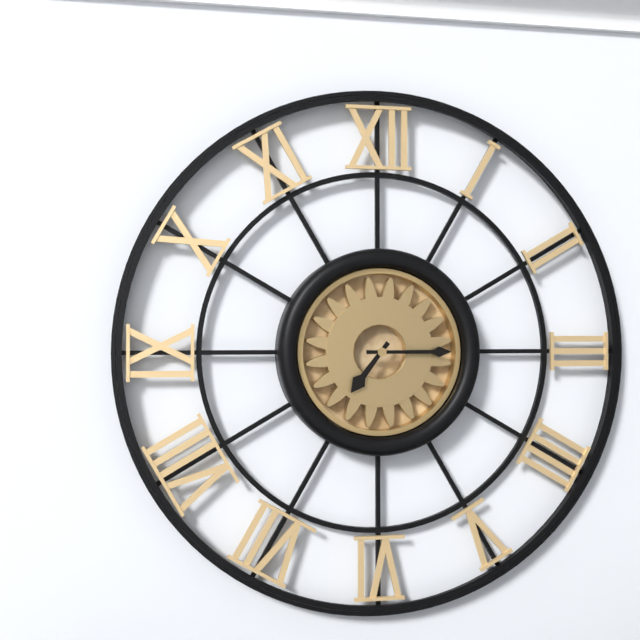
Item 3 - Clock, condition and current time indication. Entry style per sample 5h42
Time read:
7h15
